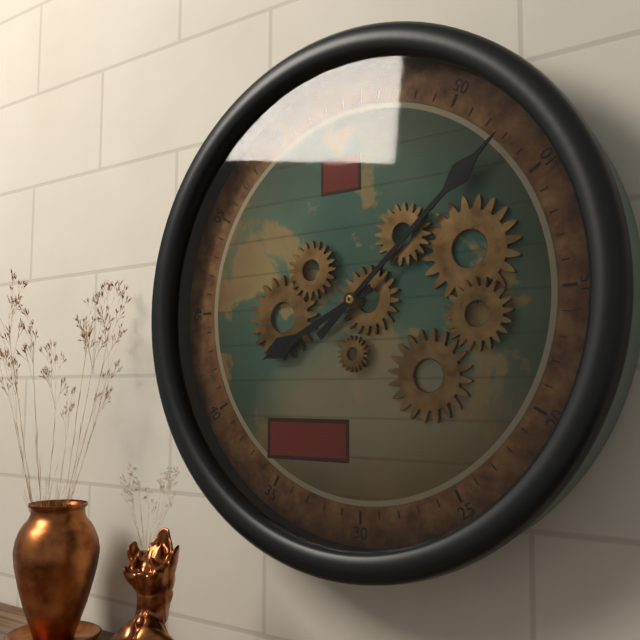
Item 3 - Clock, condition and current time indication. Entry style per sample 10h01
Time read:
8h08
